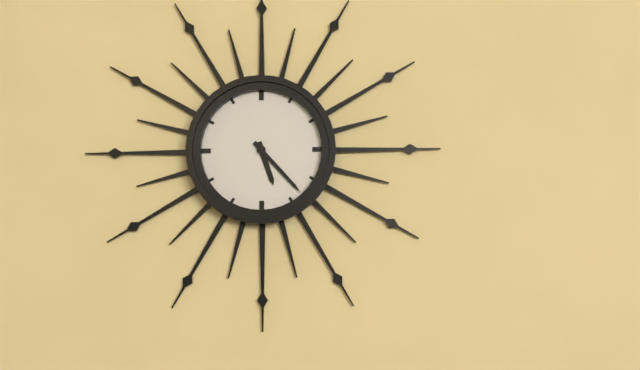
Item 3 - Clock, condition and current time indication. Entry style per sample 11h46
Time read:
5h23
